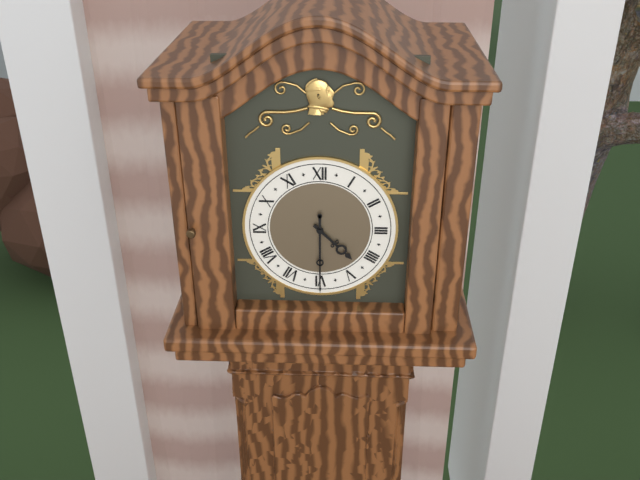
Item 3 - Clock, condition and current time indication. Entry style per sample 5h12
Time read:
4h30
